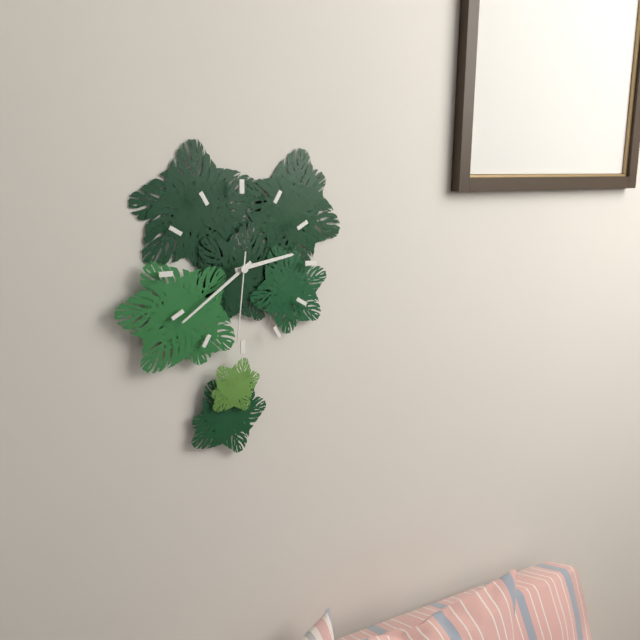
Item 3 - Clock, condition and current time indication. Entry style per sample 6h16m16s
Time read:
2h39m31s
